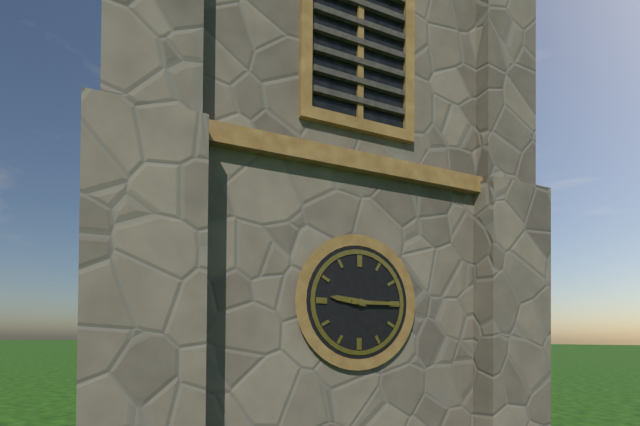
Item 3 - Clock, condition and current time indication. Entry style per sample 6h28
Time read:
9h15
